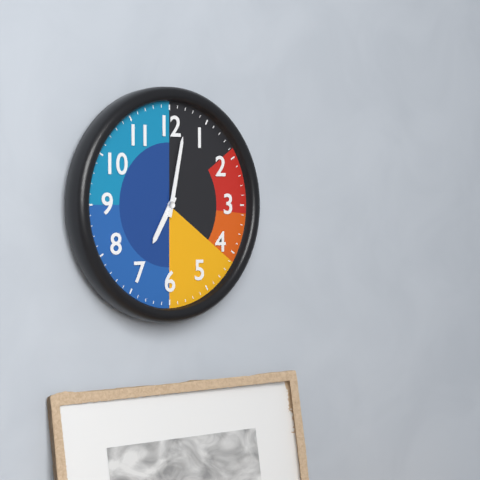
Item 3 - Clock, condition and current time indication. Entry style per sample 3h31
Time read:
7h02
